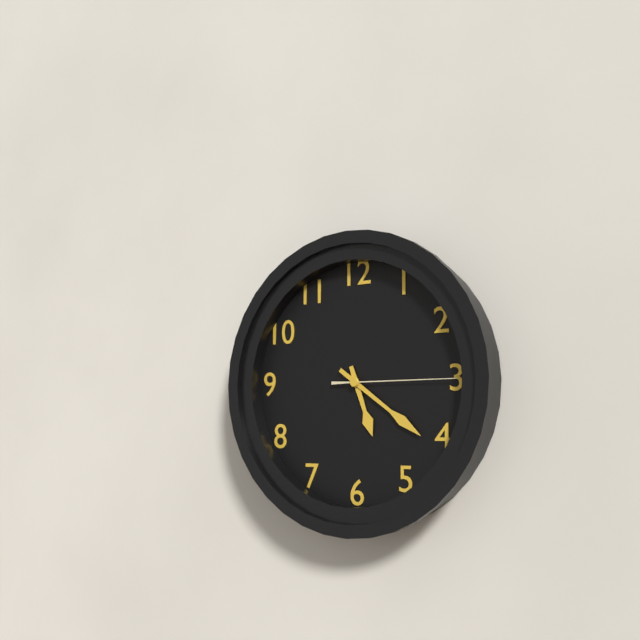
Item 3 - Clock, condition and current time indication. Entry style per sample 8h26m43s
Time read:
5h21m15s
